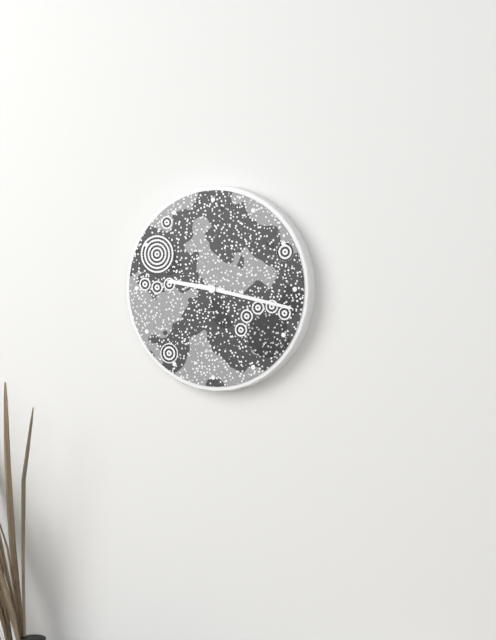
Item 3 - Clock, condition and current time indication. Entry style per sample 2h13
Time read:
9h17
